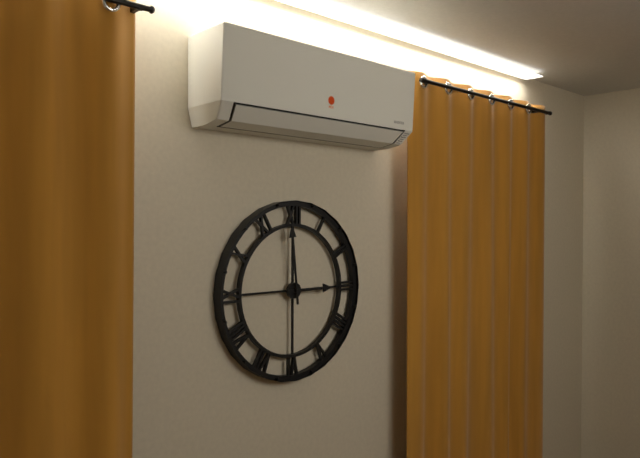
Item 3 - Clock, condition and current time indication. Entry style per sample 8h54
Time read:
2h59
